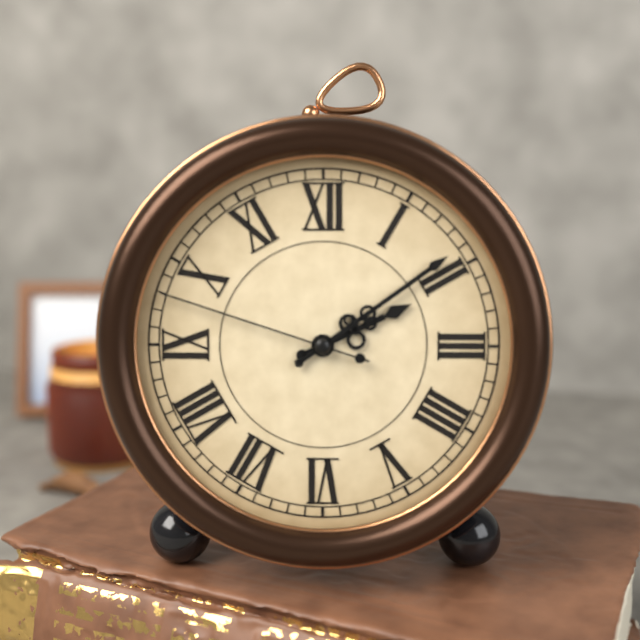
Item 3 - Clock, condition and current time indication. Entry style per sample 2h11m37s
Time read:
2h09m48s
